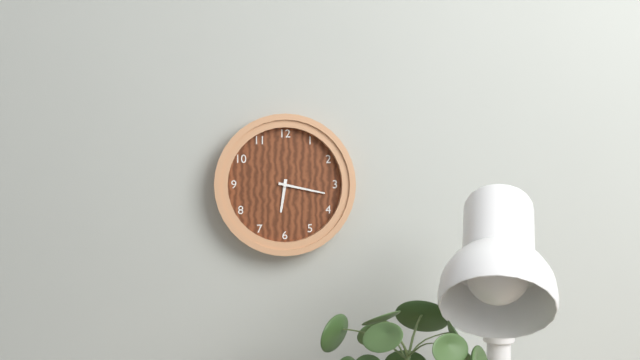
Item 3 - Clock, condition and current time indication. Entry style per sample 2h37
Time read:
6h17
